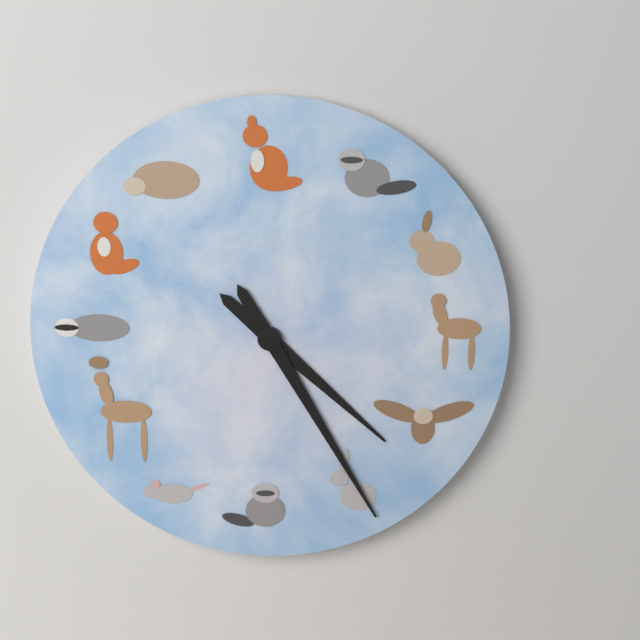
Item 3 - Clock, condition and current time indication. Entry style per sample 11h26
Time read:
4h25
